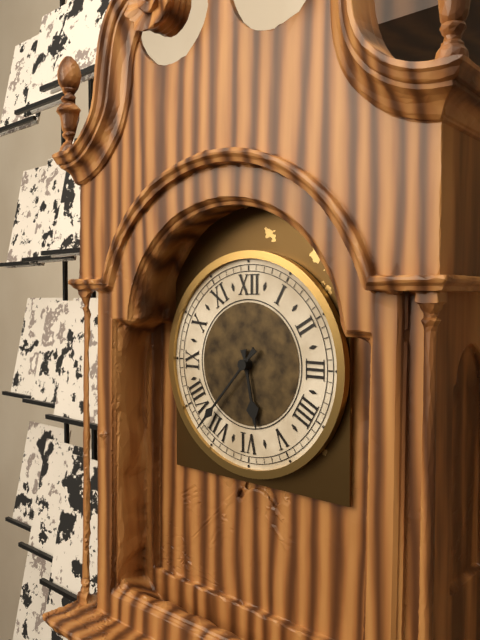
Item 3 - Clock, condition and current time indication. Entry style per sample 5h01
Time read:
5h37
